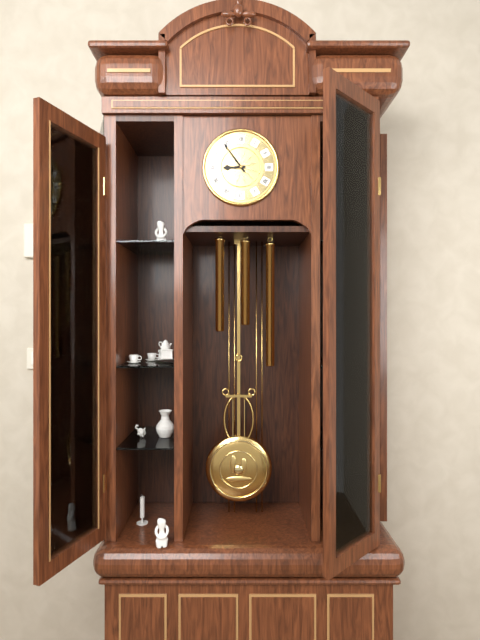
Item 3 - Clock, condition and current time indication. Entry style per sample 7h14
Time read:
8h54
